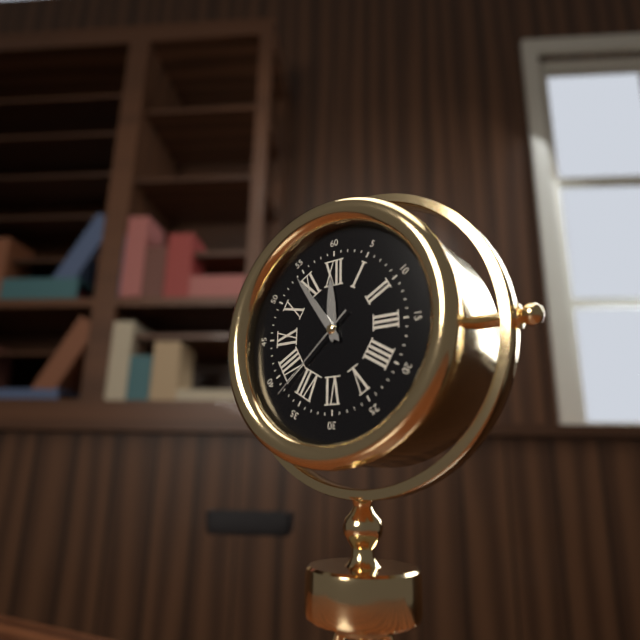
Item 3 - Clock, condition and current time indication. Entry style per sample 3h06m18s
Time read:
11h54m38s
